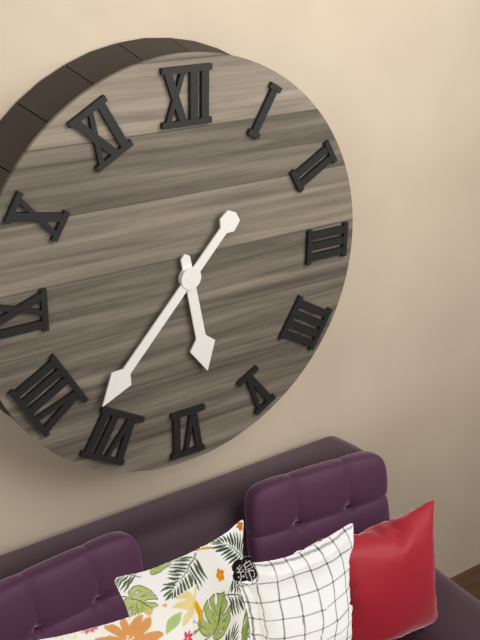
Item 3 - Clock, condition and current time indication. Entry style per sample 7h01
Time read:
5h37
